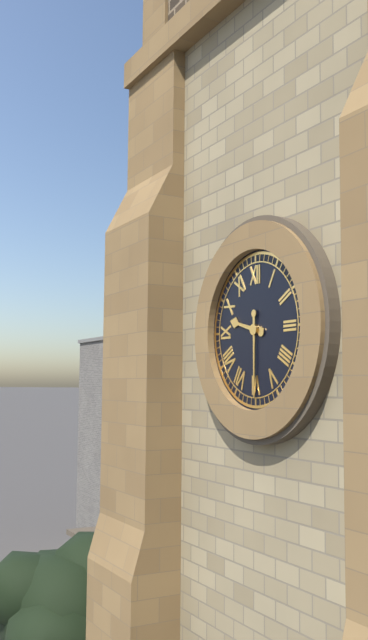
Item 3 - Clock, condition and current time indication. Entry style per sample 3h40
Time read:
9h30
